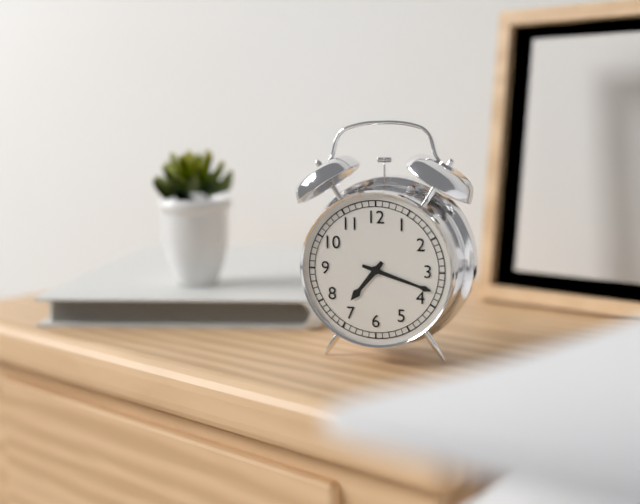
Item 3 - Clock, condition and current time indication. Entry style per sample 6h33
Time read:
7h18
